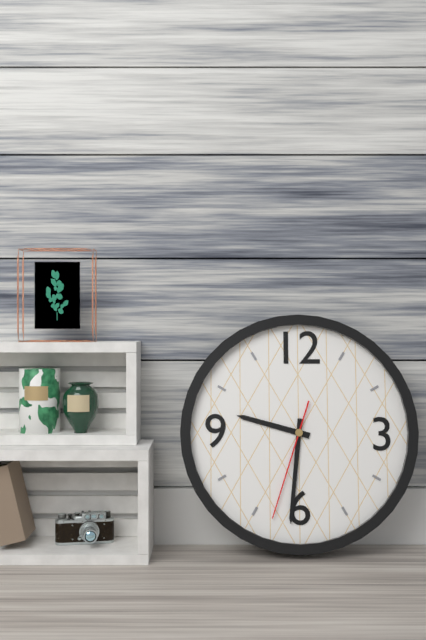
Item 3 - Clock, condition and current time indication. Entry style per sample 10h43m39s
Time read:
9h31m33s
